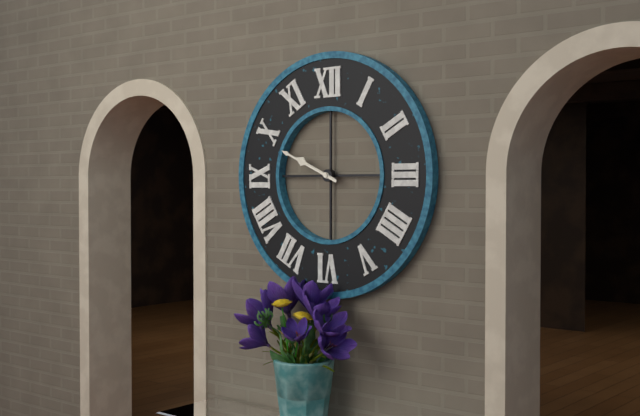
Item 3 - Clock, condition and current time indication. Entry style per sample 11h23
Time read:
9h49
